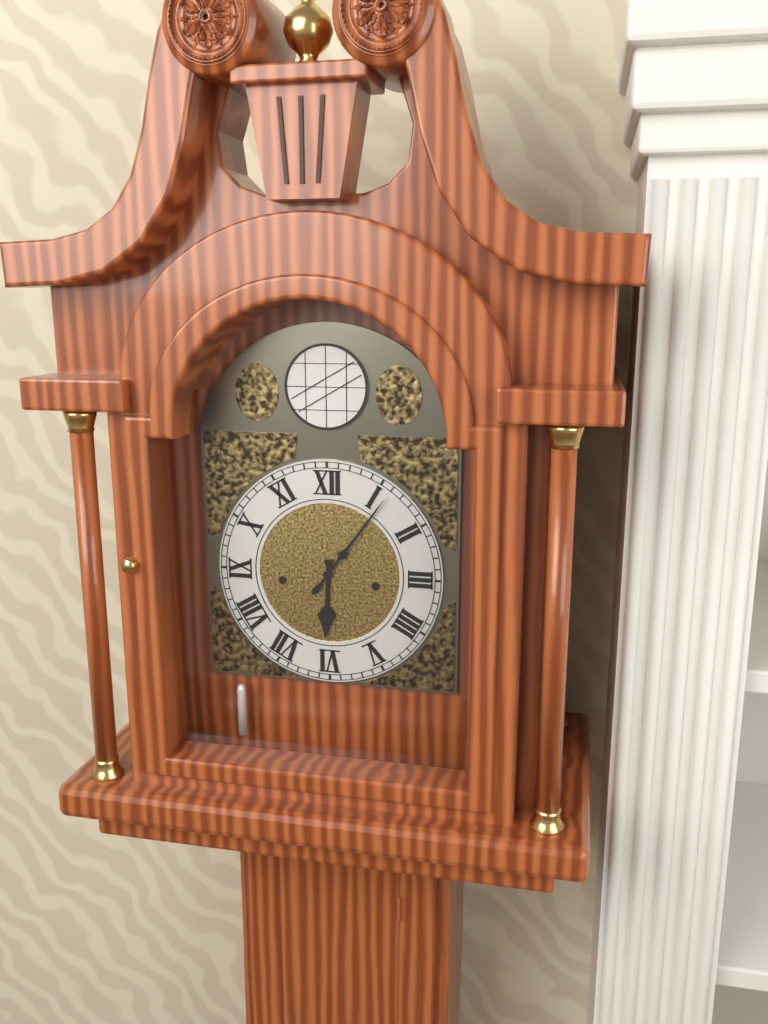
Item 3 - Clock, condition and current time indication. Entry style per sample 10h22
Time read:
6h06
